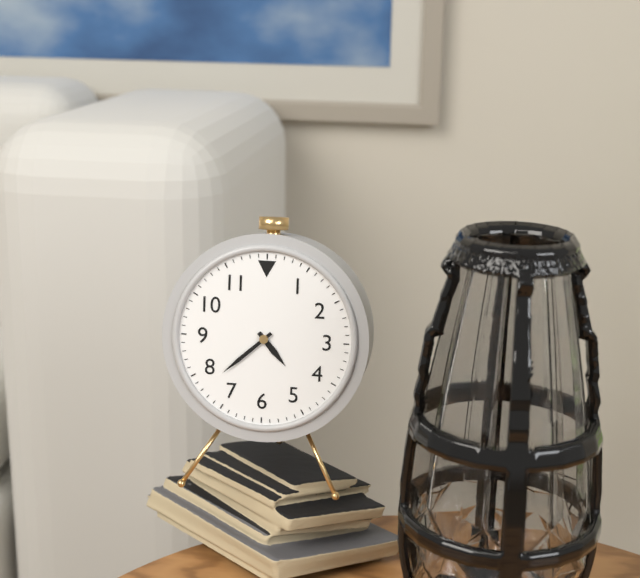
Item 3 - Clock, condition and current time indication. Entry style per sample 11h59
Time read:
4h38
